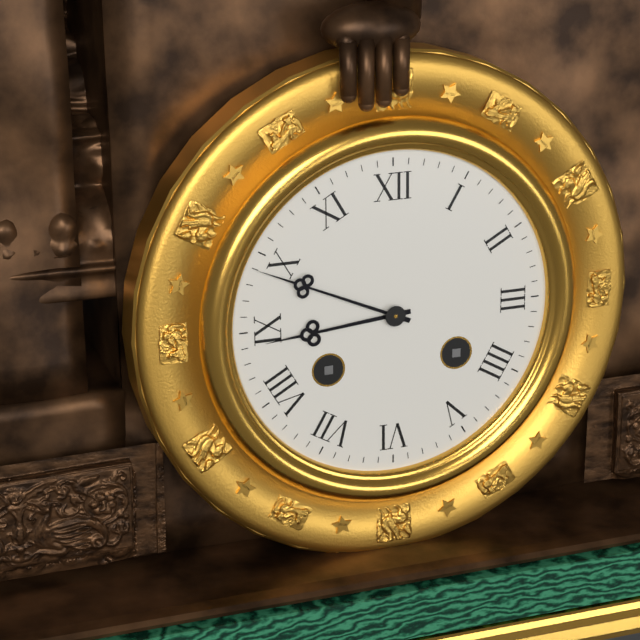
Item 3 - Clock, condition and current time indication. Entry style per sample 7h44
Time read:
8h49
